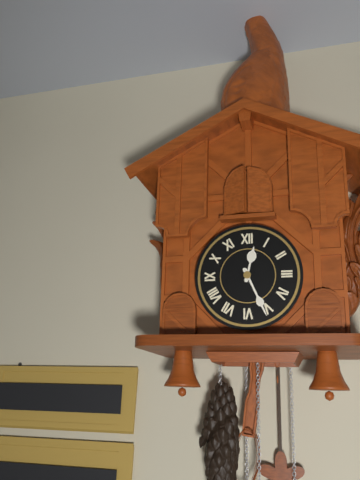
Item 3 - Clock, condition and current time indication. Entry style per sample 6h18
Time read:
12h26
